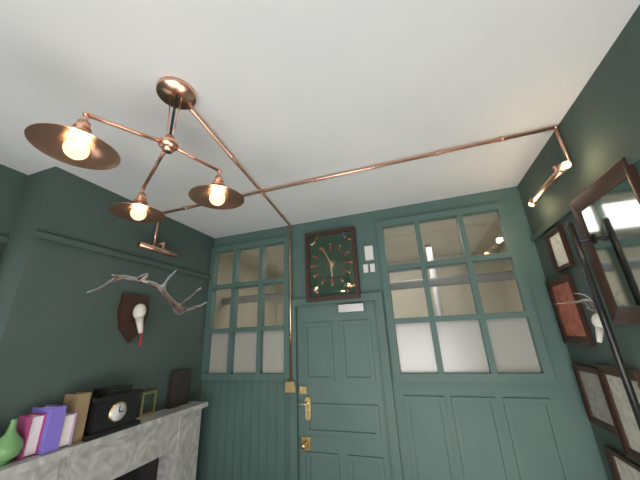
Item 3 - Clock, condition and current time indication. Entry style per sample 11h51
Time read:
5h56
